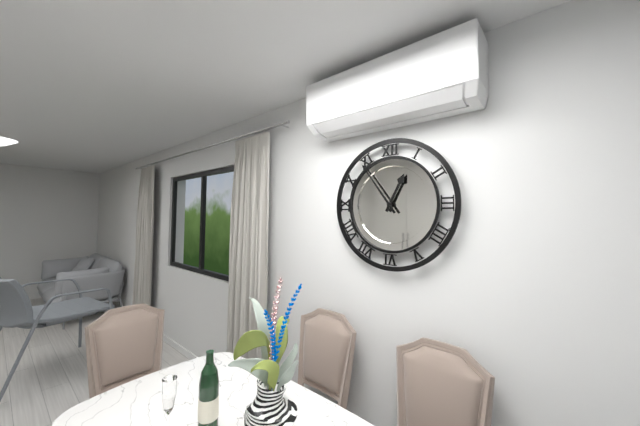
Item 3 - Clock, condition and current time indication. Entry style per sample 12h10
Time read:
12h54
